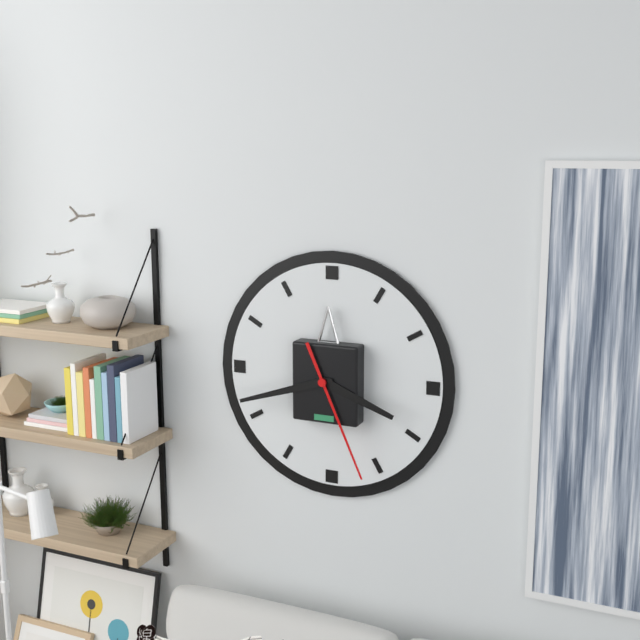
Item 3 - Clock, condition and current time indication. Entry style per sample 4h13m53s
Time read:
3h42m26s
